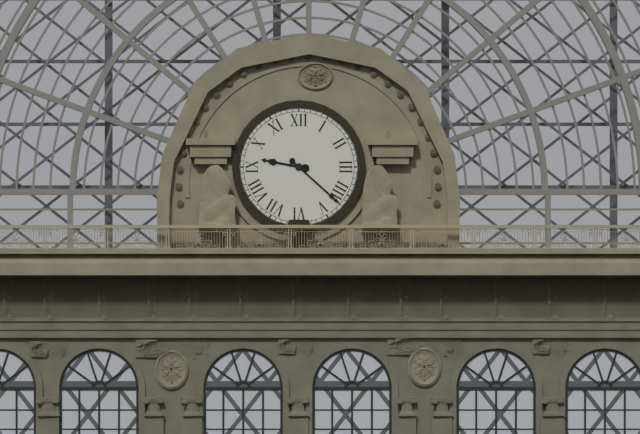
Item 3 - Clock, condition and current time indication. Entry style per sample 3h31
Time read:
9h22
